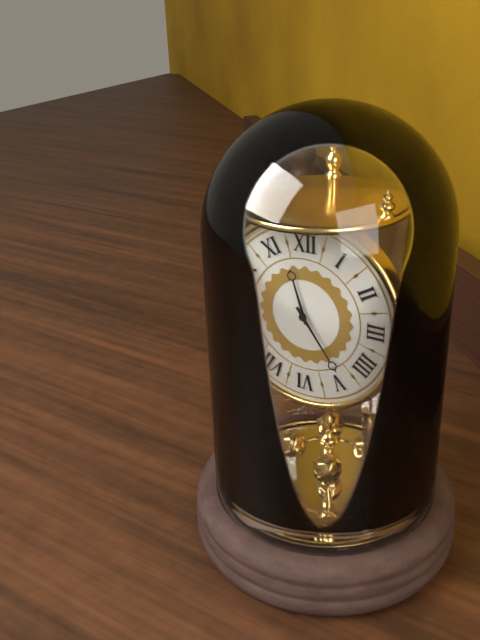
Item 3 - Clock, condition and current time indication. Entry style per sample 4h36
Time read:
11h24
